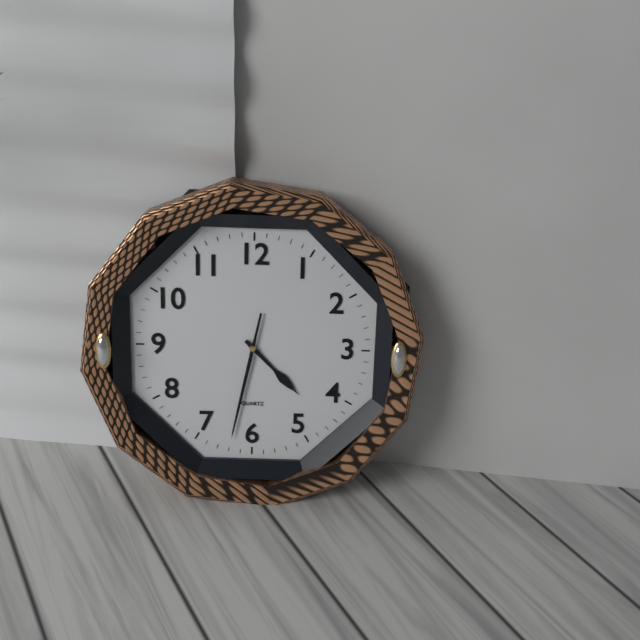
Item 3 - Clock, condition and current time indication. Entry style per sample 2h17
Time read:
4h32
